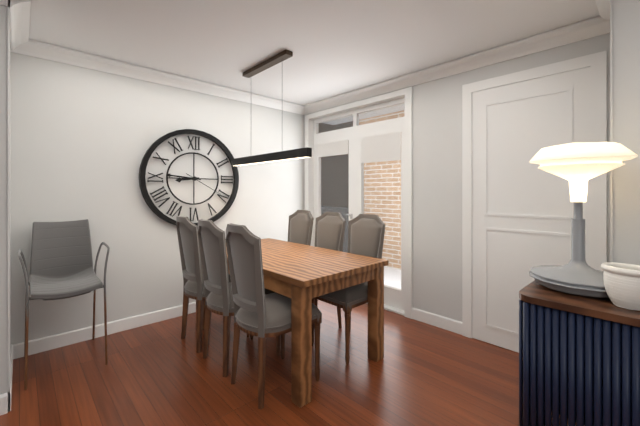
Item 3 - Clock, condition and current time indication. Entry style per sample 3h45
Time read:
8h46
